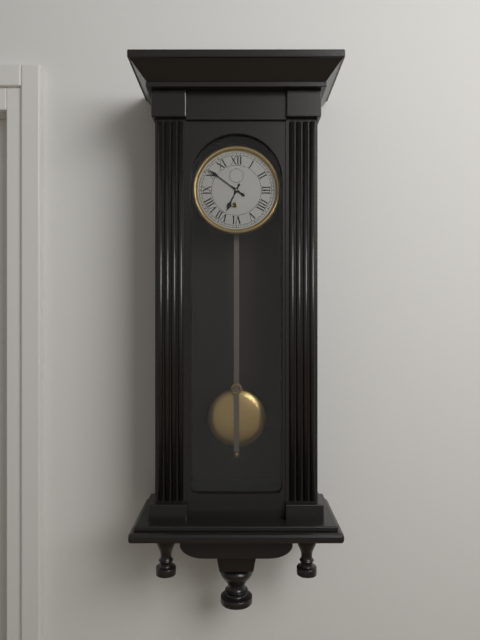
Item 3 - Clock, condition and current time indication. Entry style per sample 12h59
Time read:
6h51
